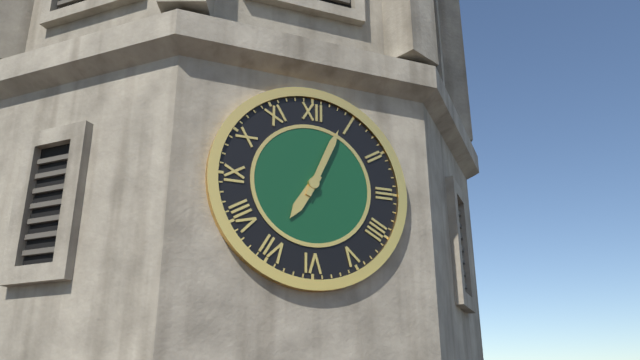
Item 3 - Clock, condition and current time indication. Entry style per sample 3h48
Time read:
7h04
